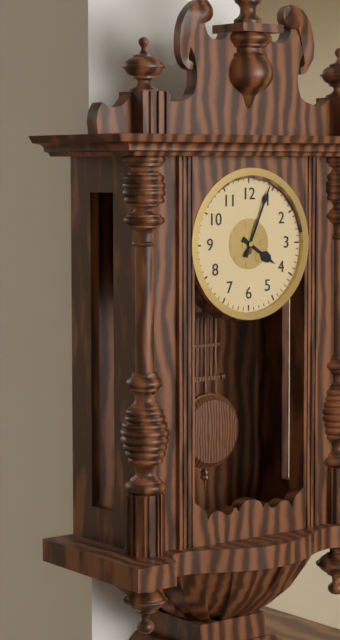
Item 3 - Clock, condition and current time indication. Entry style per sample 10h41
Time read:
4h04
